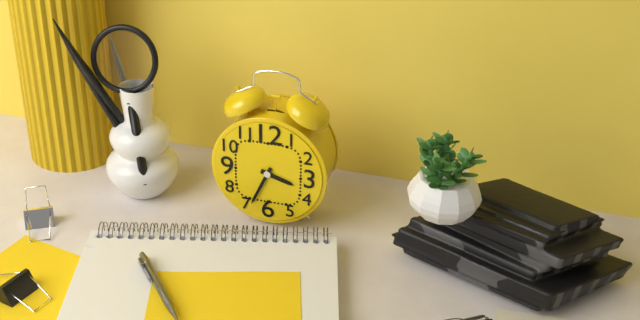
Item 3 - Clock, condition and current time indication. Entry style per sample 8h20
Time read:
3h34
